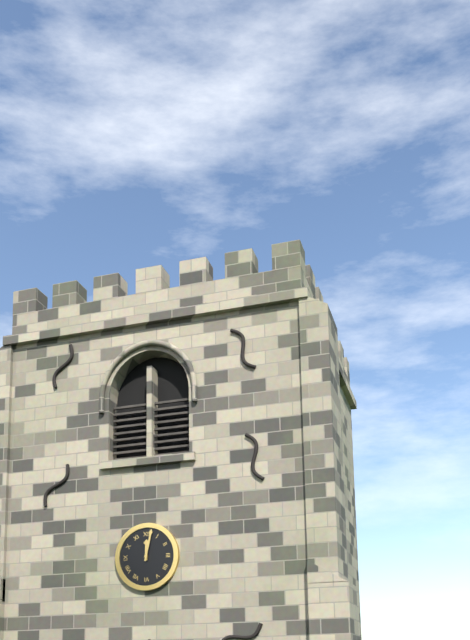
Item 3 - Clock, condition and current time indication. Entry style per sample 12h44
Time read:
12h02
